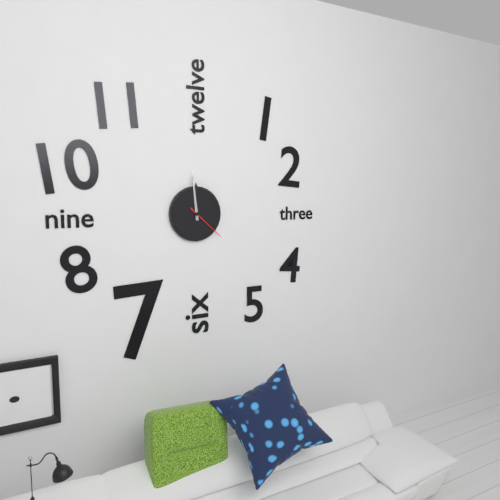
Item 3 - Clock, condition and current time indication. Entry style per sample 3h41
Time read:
11h59
